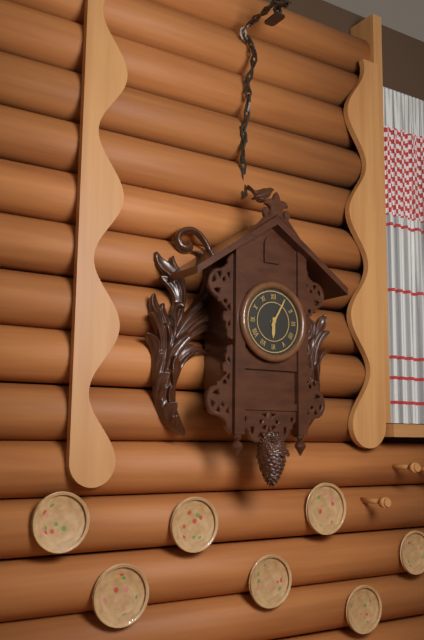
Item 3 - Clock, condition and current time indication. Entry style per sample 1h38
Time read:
6h05
